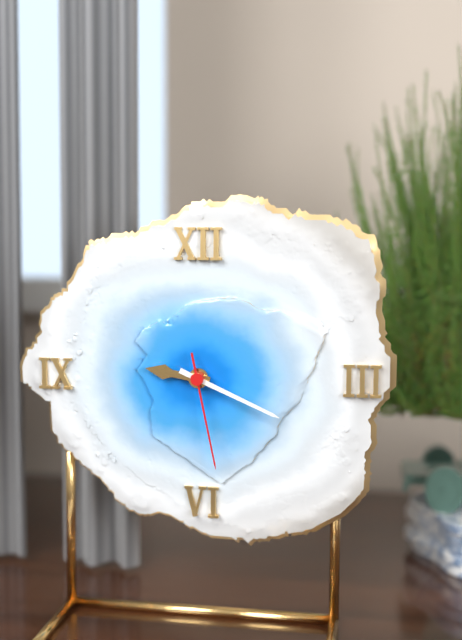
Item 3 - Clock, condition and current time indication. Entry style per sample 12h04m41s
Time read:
9h19m28s
